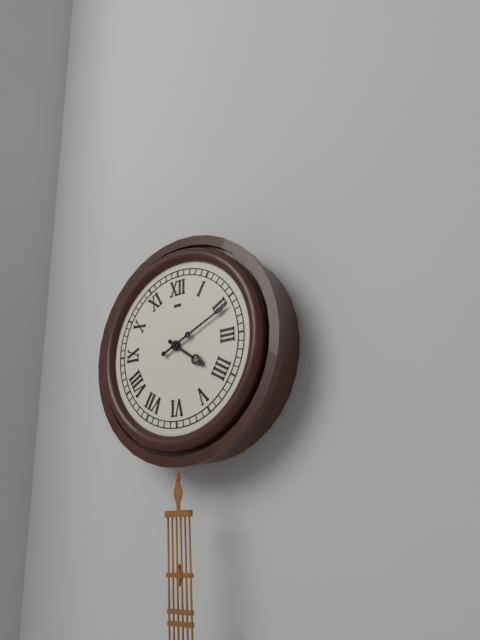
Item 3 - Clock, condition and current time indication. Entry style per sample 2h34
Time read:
4h11
